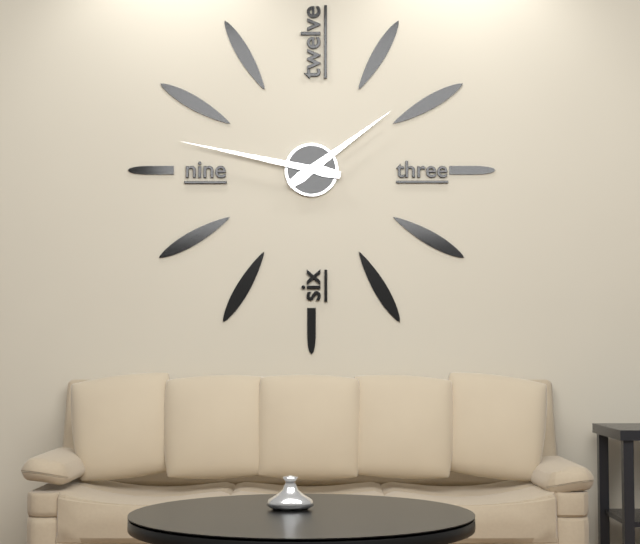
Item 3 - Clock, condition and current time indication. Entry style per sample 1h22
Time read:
1h47
